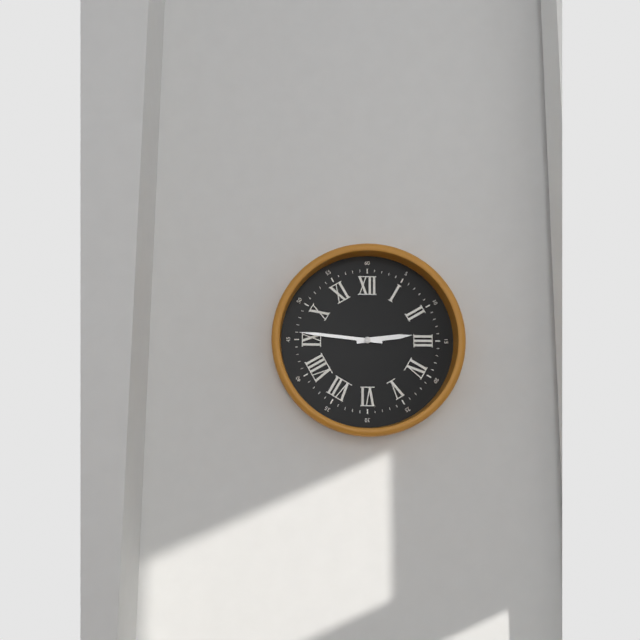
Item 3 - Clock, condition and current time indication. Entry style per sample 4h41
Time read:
2h46
